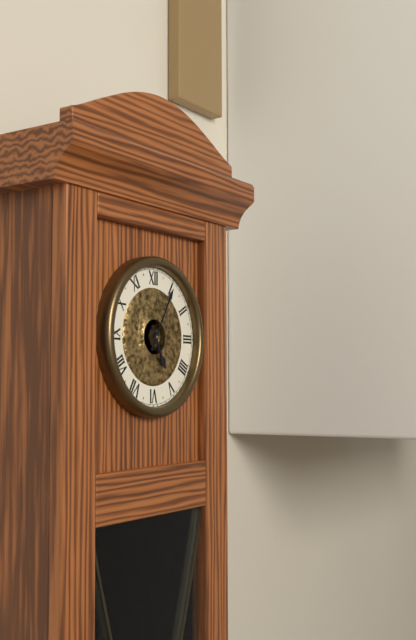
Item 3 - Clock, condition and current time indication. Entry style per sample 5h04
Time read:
5h05
